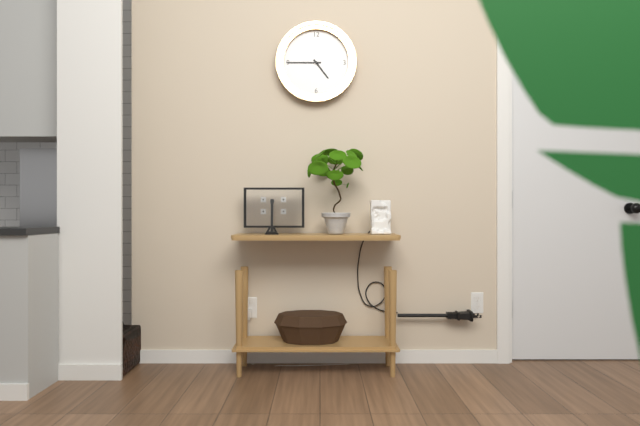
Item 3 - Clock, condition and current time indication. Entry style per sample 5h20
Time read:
4h45
